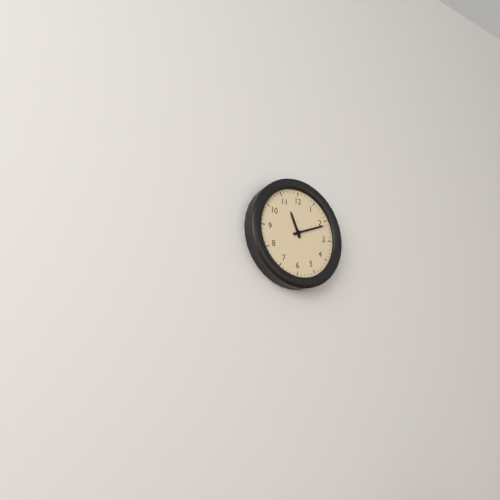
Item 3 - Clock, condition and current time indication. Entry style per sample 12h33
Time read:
11h11
